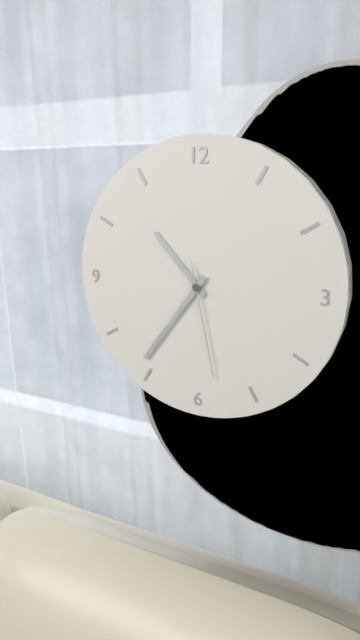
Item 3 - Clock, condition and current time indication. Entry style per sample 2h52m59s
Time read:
10h36m28s
